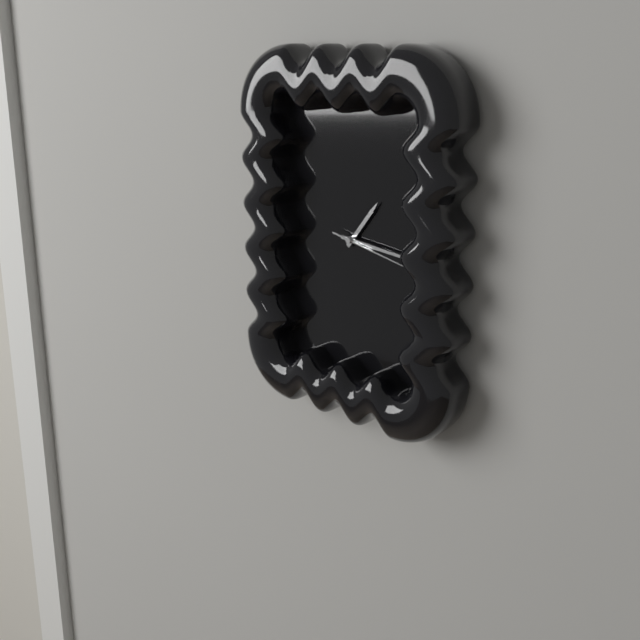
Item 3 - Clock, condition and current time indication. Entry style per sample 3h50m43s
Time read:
1h16m17s
